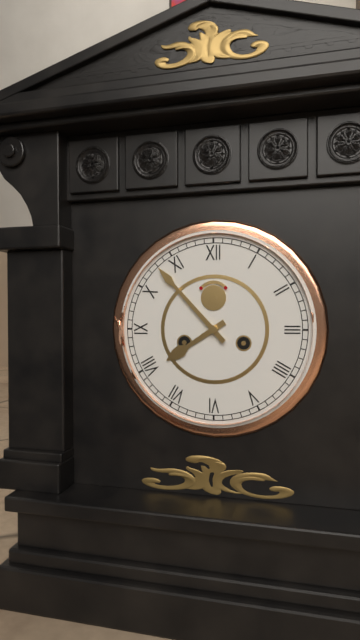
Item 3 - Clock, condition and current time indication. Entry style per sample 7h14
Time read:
7h53
